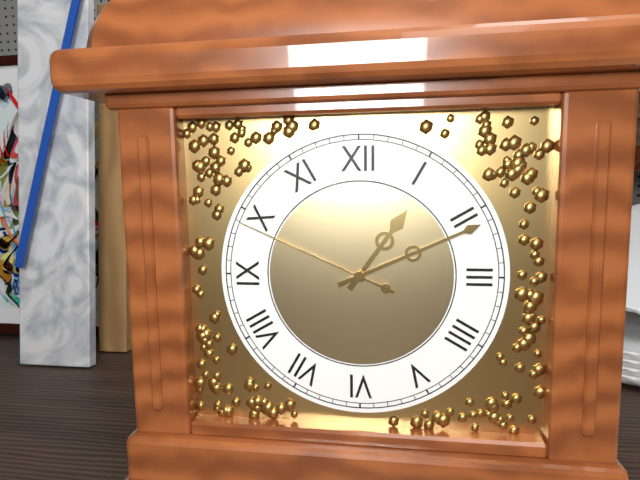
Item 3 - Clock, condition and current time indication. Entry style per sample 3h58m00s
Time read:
1h11m49s
